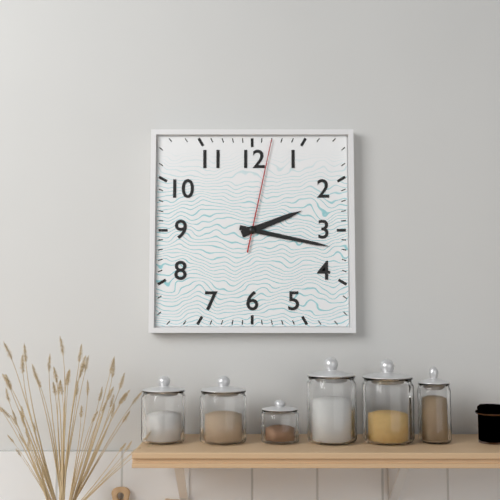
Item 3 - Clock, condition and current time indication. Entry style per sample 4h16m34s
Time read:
2h17m02s
